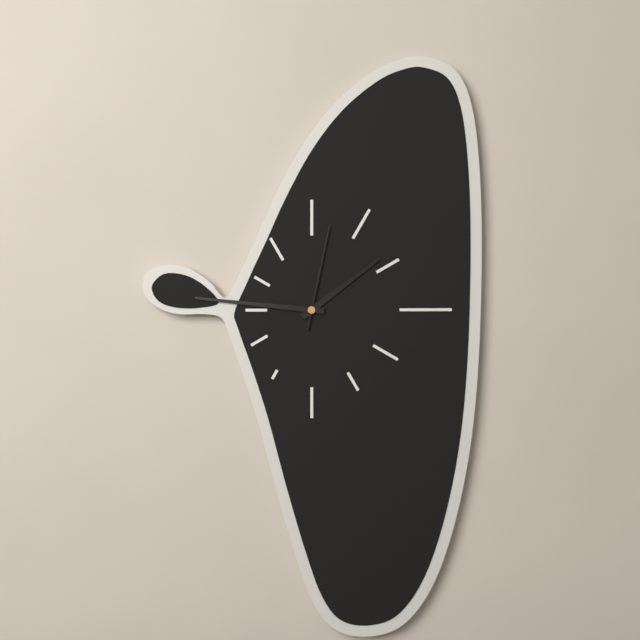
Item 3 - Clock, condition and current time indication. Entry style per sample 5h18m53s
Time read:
1h46m02s
